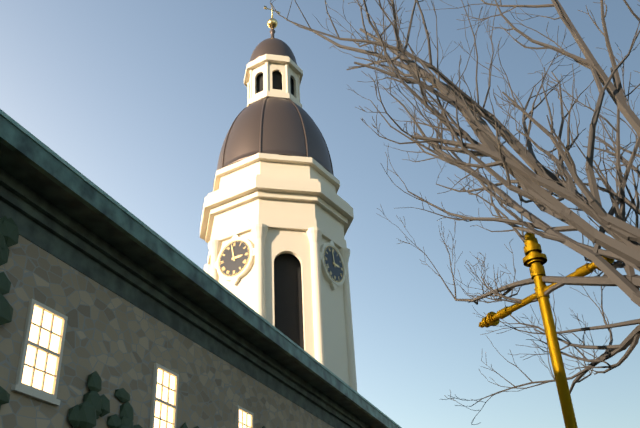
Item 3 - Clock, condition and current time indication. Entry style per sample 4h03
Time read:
2h58
